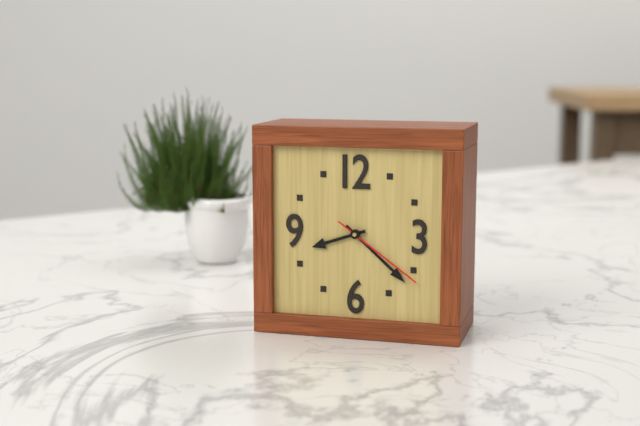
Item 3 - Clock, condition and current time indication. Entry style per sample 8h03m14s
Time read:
8h22m21s
